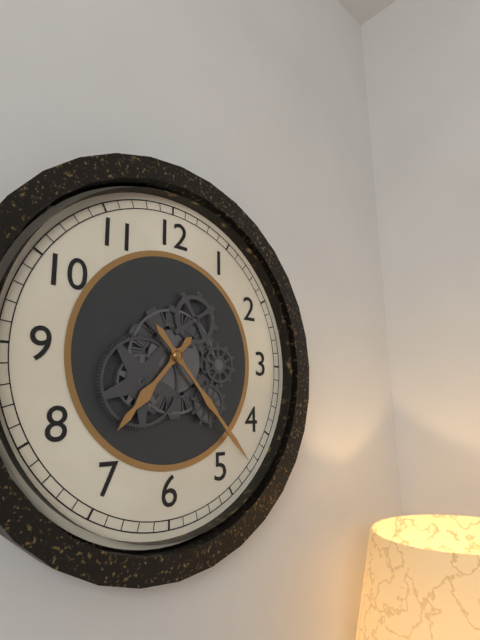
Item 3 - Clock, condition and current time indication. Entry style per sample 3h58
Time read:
7h23
